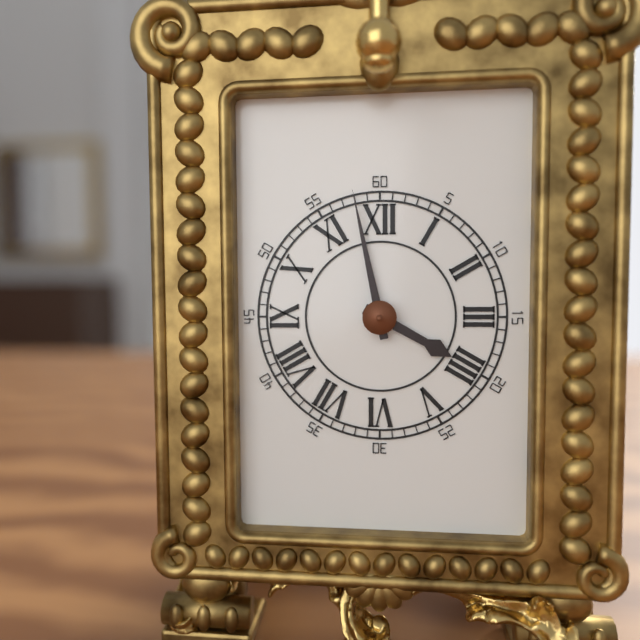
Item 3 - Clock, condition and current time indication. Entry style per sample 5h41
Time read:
3h58
